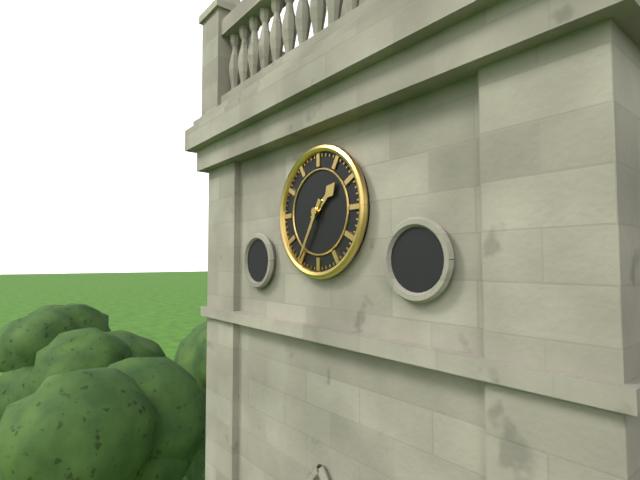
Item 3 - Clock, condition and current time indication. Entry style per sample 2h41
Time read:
1h35
